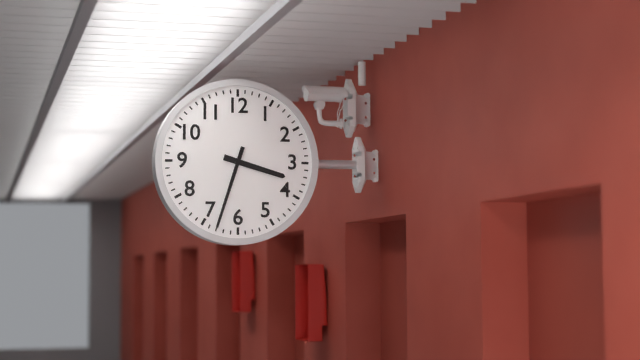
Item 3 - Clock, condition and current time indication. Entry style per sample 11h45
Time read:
3h33
